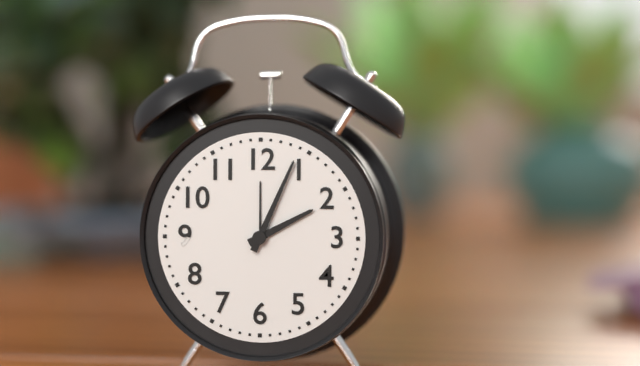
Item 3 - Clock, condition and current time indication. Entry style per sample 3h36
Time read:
2h04
